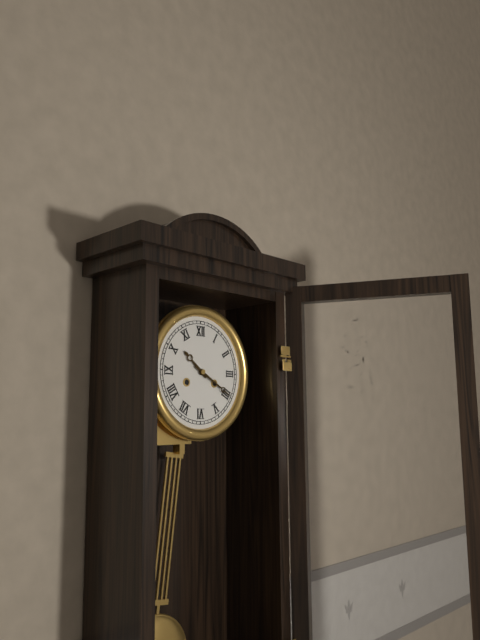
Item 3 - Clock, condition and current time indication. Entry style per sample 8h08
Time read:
10h20
